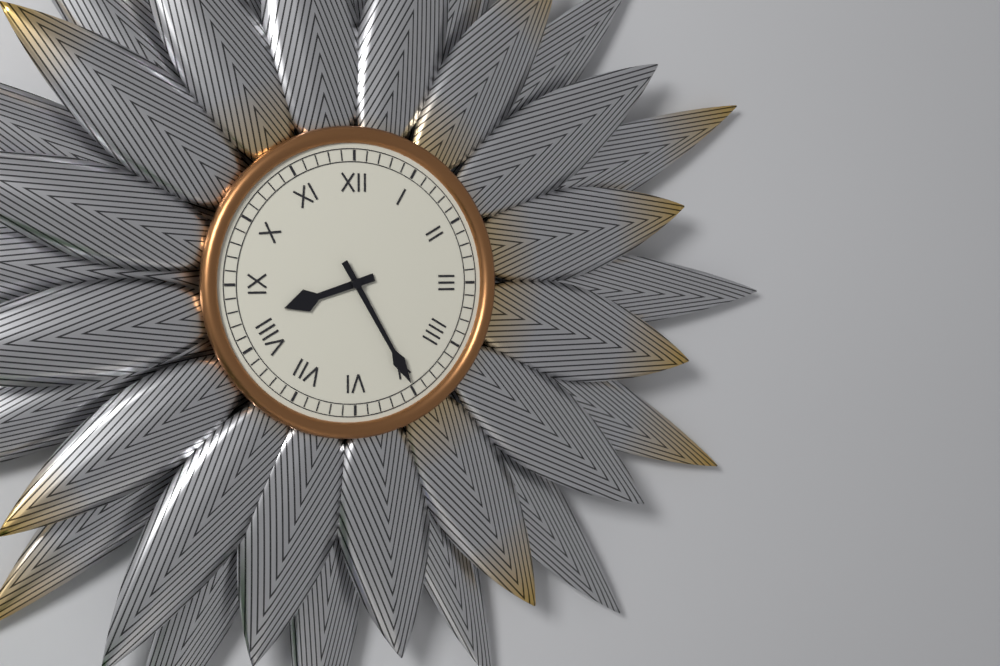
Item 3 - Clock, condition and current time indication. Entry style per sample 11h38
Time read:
8h25
